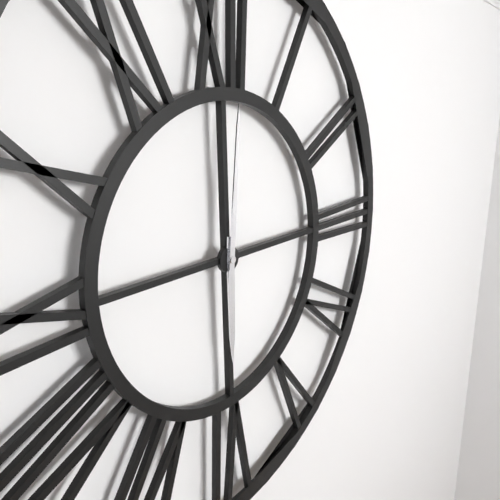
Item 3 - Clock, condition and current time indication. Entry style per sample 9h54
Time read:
6h01
